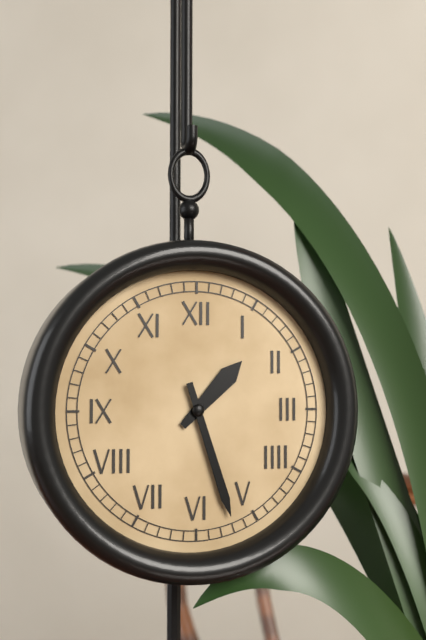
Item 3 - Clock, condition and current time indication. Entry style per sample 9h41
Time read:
1h27
